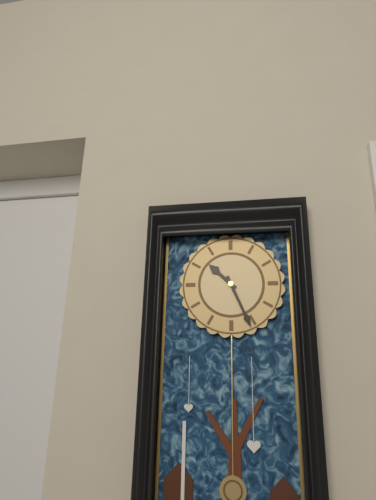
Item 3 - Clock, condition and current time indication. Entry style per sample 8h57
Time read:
10h26
